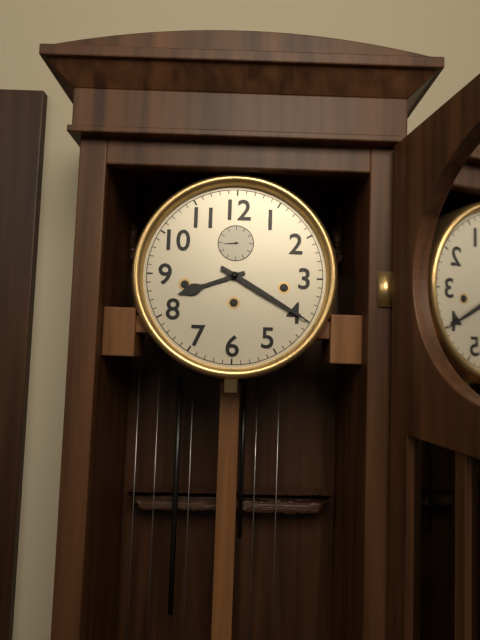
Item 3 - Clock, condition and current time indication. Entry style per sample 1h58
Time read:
8h20
